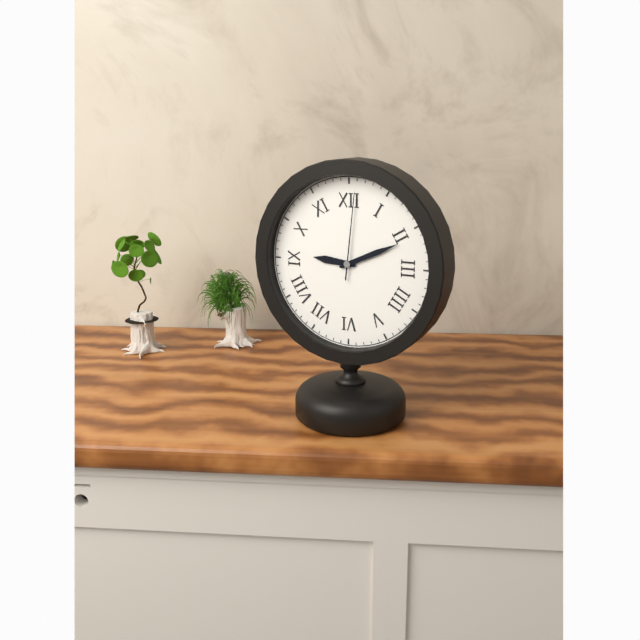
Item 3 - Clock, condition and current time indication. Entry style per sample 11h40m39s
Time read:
9h11m01s
